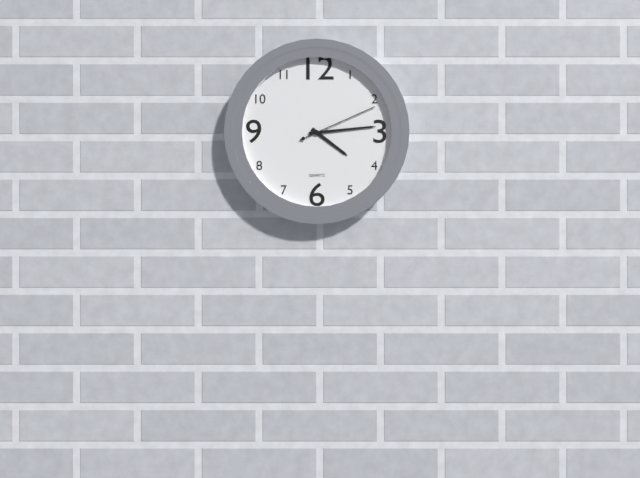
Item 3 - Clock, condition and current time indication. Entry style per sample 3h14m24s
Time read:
4h14m11s
